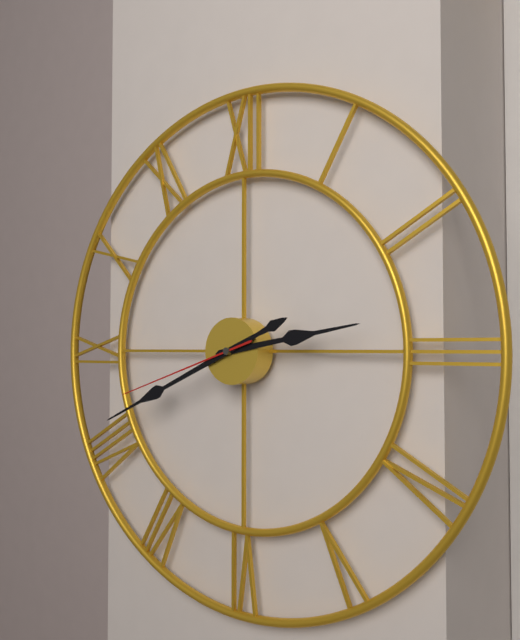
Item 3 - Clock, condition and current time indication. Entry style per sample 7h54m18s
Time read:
2h41m42s
